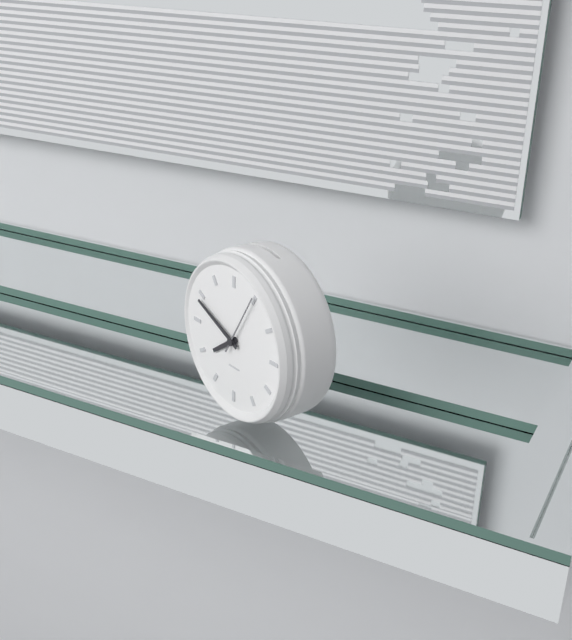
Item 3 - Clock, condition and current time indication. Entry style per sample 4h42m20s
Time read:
7h49m05s
